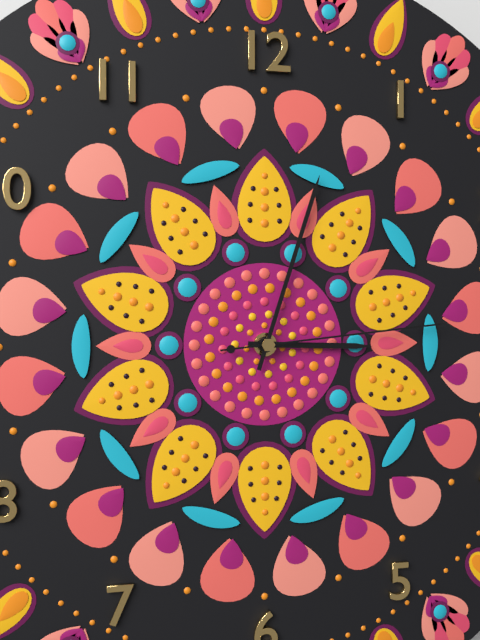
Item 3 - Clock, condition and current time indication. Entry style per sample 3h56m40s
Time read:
3h03m14s
